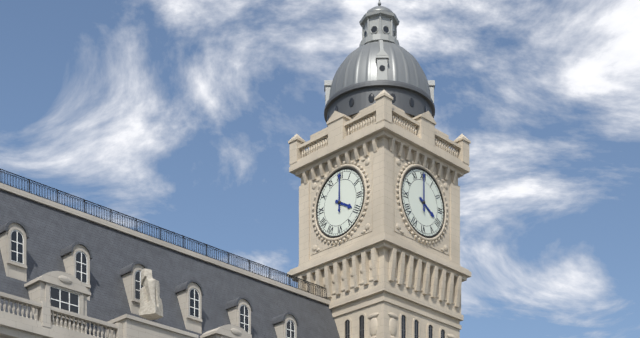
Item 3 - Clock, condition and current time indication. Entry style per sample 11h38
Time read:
4h00
